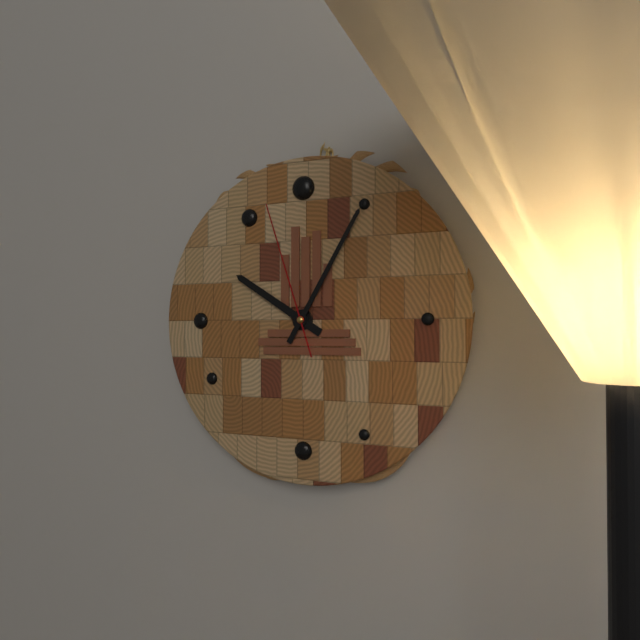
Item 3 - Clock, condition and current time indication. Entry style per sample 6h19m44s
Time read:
10h05m57s
